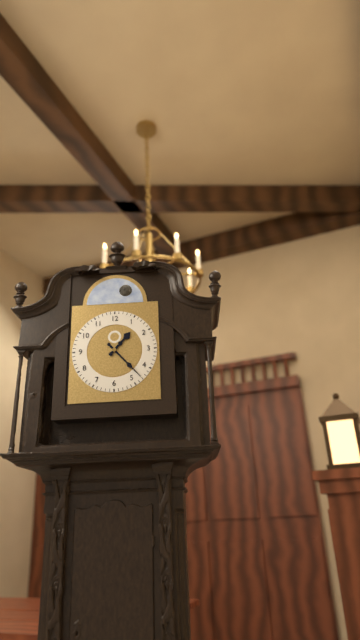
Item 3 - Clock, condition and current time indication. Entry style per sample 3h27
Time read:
1h23
